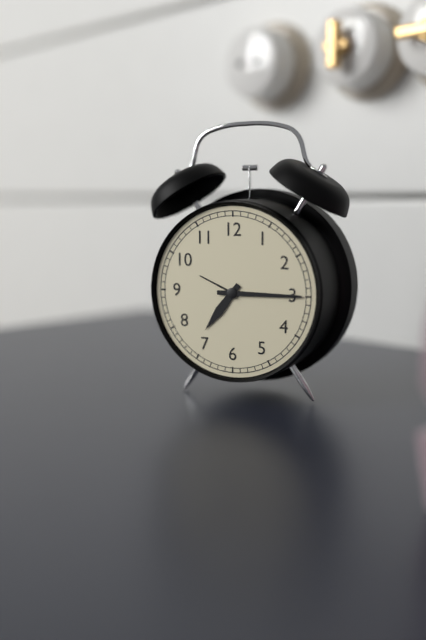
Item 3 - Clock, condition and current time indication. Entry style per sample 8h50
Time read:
7h15
